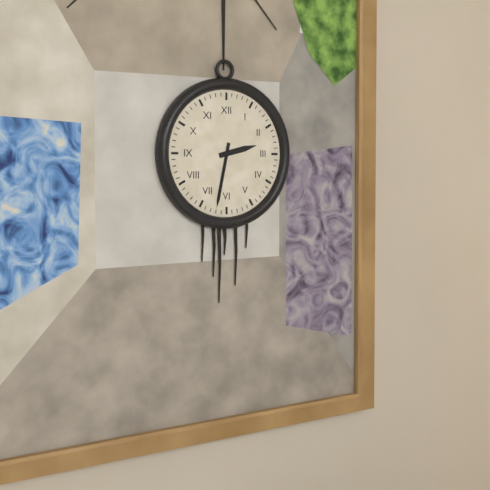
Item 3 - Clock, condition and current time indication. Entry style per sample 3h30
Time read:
2h32
